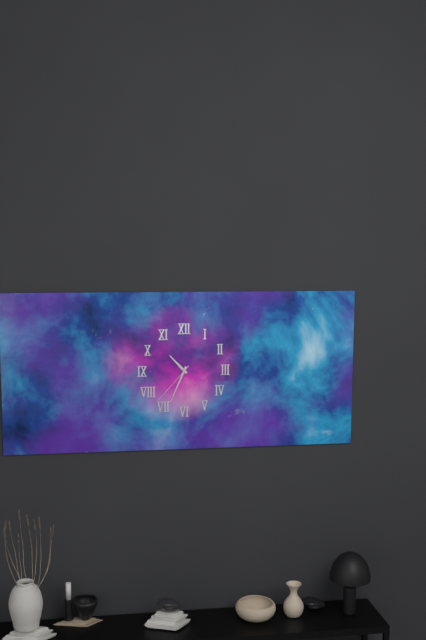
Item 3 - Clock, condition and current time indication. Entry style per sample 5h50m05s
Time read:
10h34m37s
